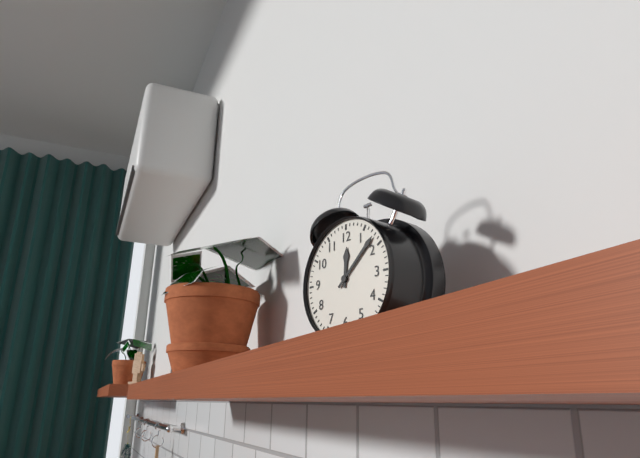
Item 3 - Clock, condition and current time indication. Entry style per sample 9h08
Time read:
12h08
